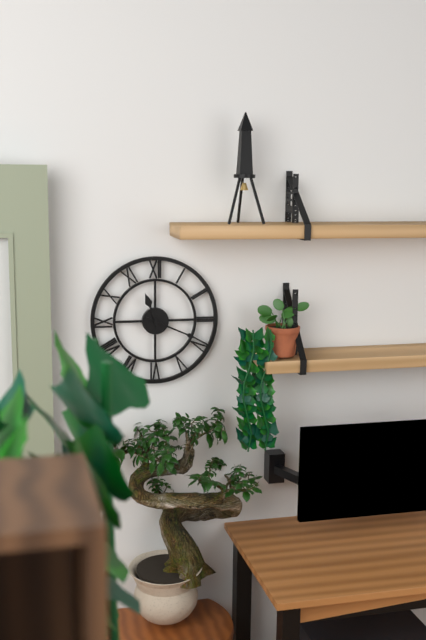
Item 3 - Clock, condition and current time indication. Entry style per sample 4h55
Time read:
11h19
